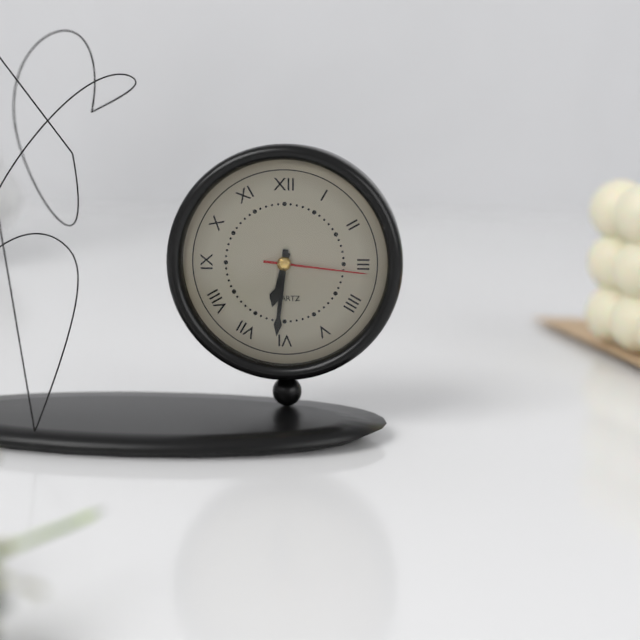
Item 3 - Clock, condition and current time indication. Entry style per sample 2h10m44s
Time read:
6h31m16s
